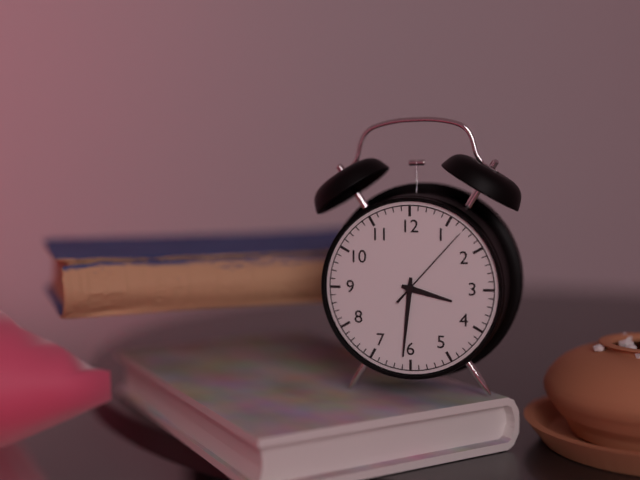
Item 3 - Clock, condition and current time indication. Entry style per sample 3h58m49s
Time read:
3h31m07s
